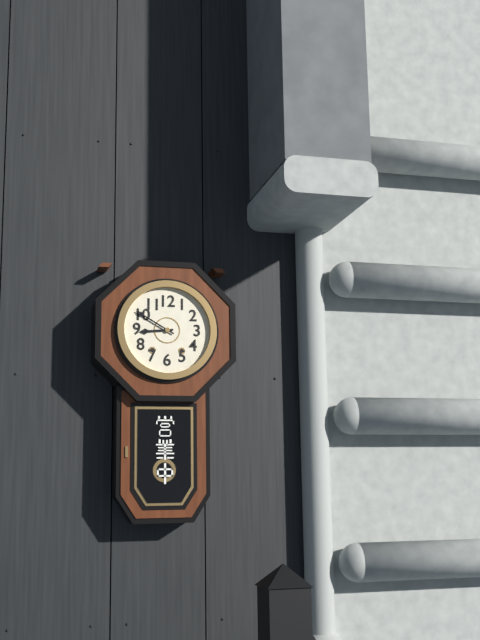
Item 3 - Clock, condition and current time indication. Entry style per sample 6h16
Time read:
8h50
